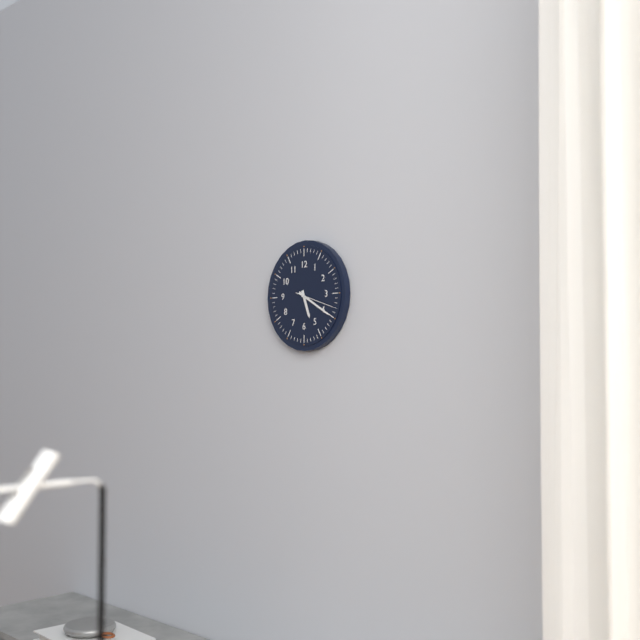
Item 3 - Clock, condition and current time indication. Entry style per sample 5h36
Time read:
5h20
